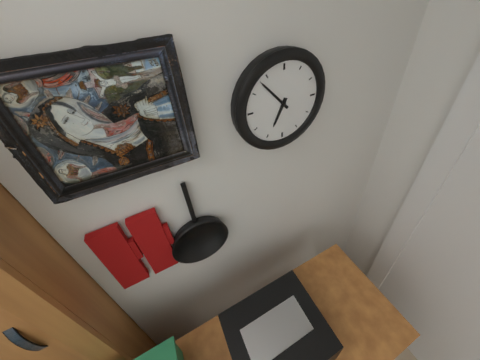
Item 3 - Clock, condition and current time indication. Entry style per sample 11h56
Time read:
6h53
